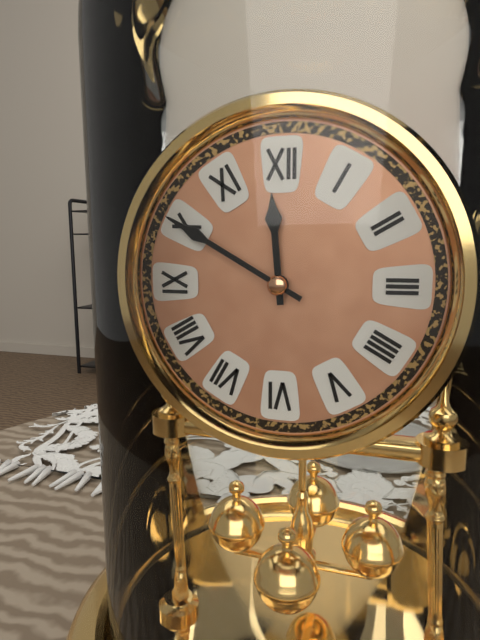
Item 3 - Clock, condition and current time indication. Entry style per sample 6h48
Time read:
11h50
